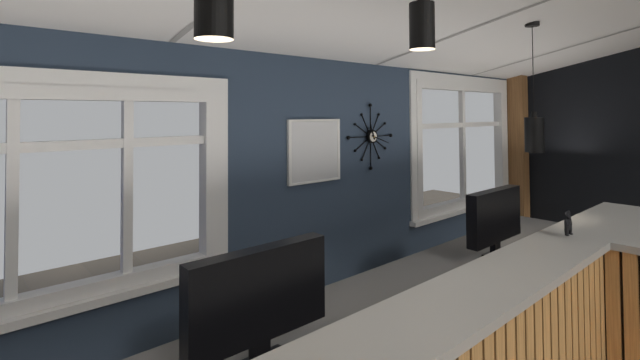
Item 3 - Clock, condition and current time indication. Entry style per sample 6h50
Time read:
11h18
